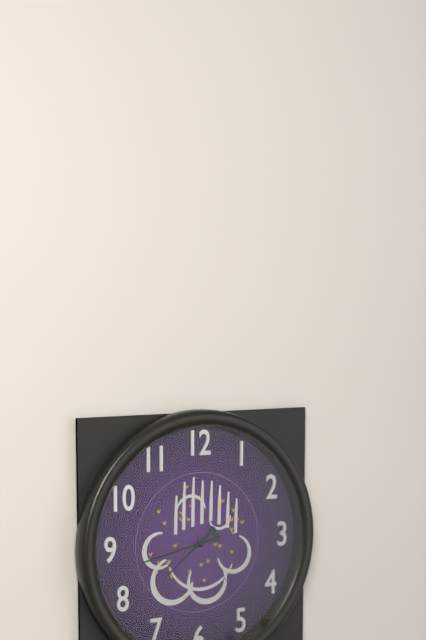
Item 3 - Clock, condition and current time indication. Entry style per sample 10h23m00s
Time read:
7h43m24s
